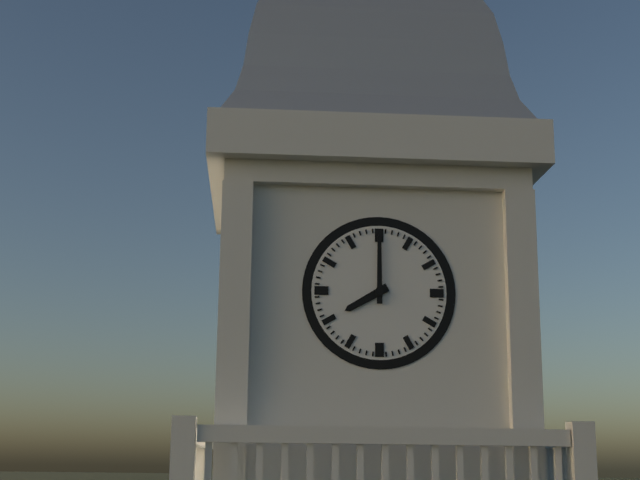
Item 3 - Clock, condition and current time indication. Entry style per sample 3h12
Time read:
8h00
